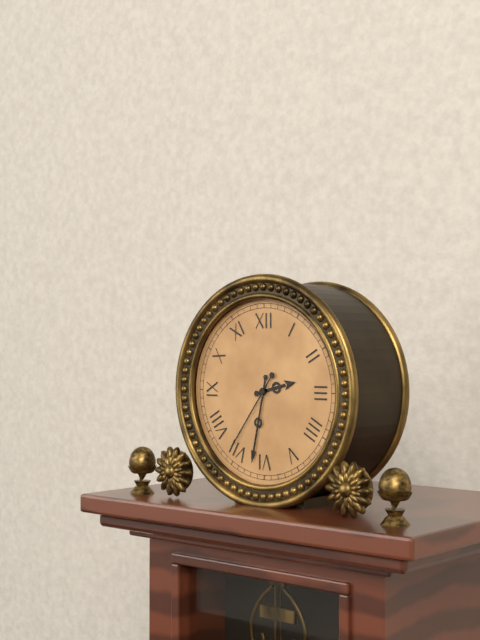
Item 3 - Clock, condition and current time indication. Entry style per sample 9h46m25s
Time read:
2h32m36s
